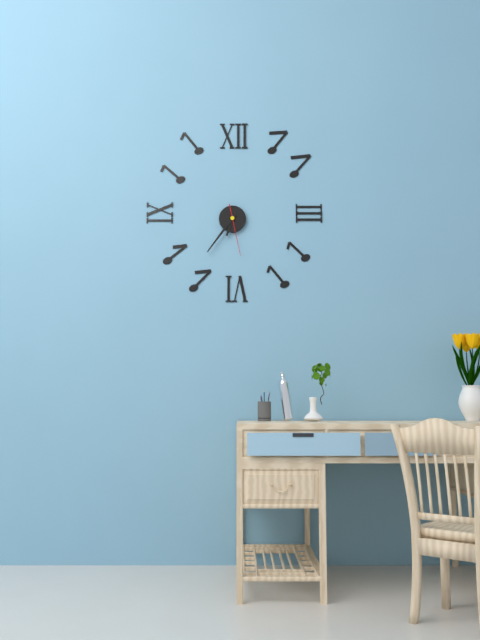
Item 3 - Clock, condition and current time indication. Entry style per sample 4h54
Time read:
6h36
